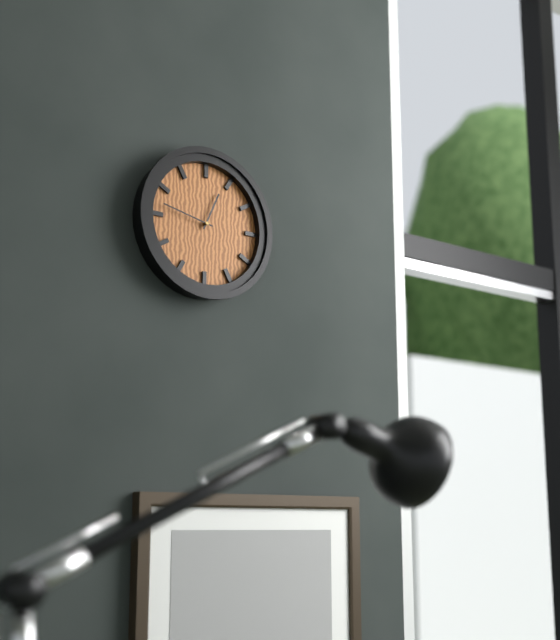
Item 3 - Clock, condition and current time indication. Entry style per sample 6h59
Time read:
12h47
